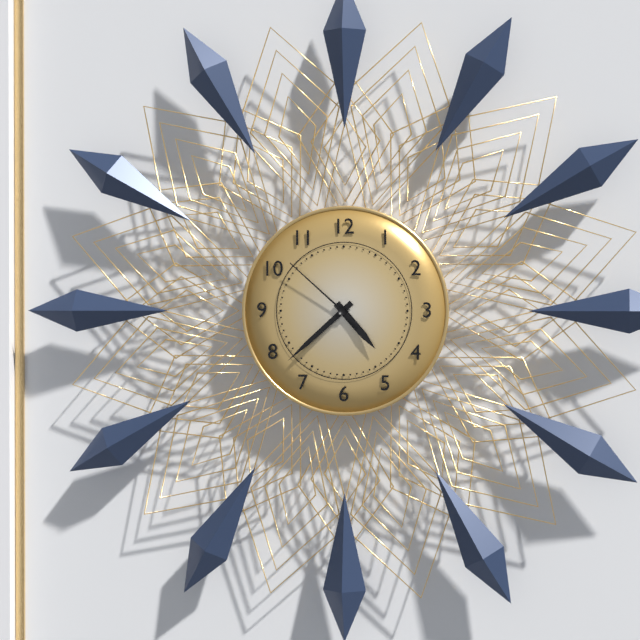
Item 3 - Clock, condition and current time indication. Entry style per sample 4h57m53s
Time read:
4h38m52s
